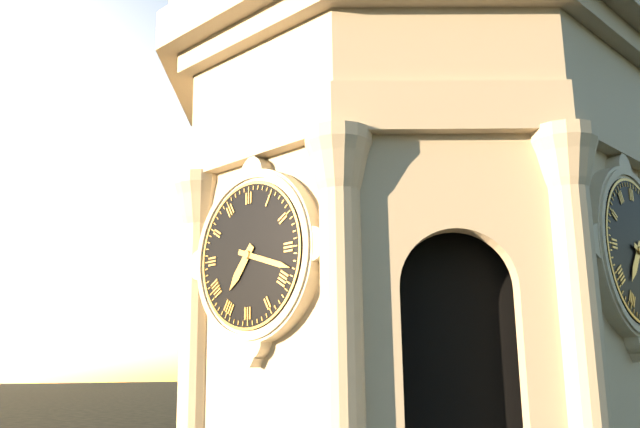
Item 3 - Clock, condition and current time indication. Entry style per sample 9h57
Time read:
7h18
